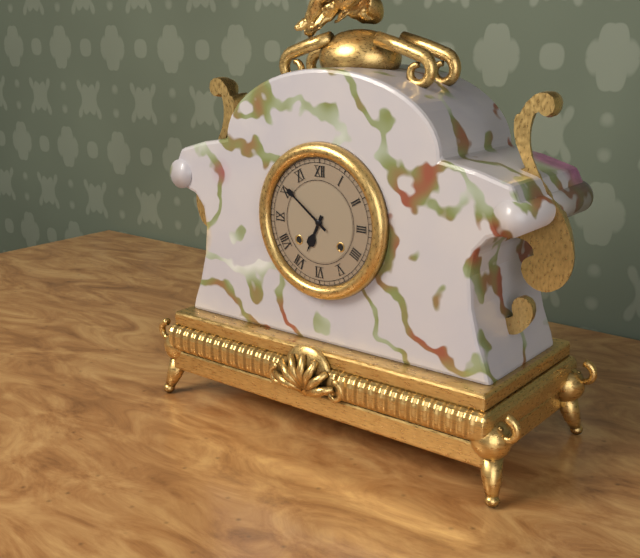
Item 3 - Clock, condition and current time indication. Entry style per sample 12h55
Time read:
6h51
